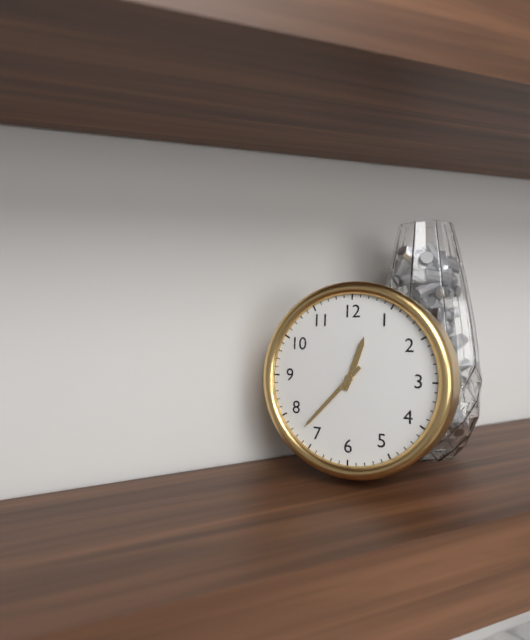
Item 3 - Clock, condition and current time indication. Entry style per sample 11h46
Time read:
12h37
